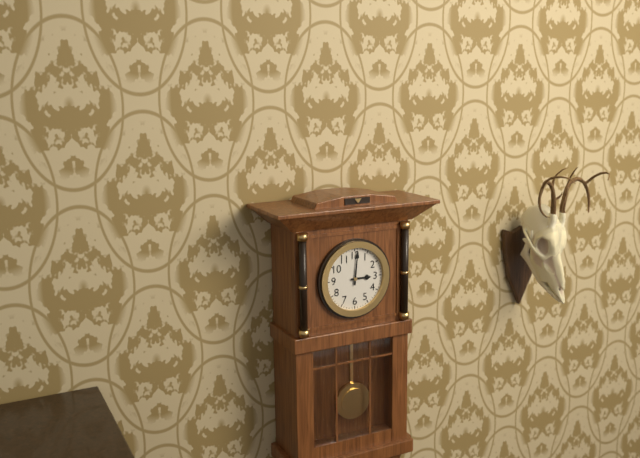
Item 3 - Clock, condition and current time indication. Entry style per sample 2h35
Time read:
3h01
